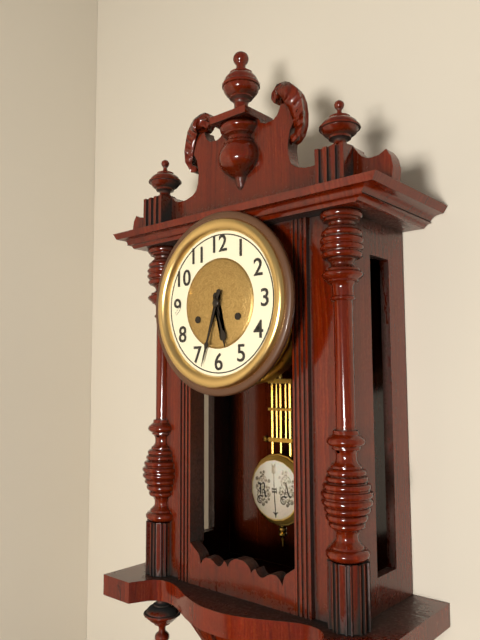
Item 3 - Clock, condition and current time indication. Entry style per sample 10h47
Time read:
5h33
